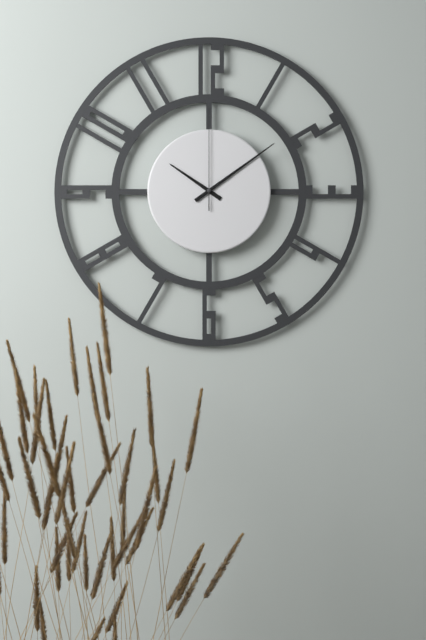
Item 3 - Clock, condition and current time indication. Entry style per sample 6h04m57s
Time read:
10h09m00s
